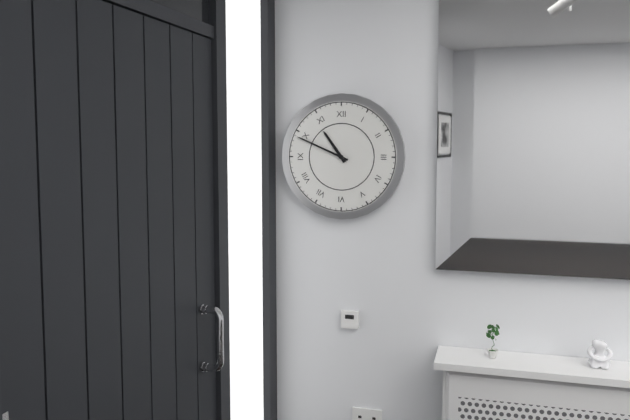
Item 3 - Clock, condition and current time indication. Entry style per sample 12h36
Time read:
10h49
